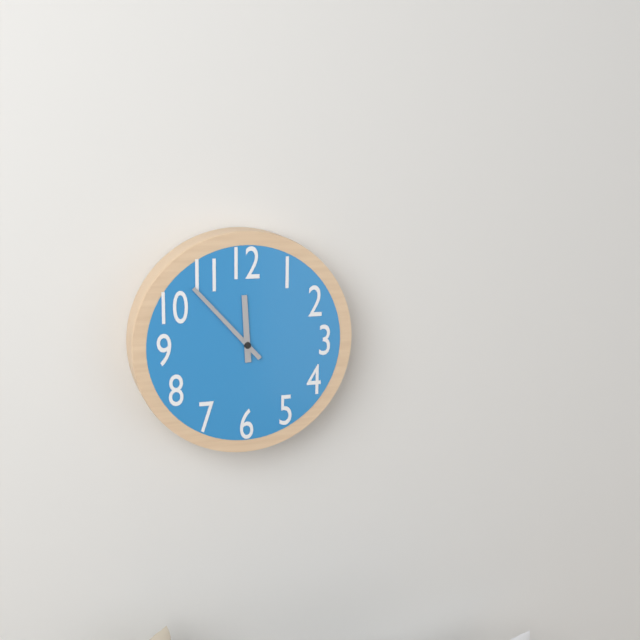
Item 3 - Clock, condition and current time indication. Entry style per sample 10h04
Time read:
11h53
